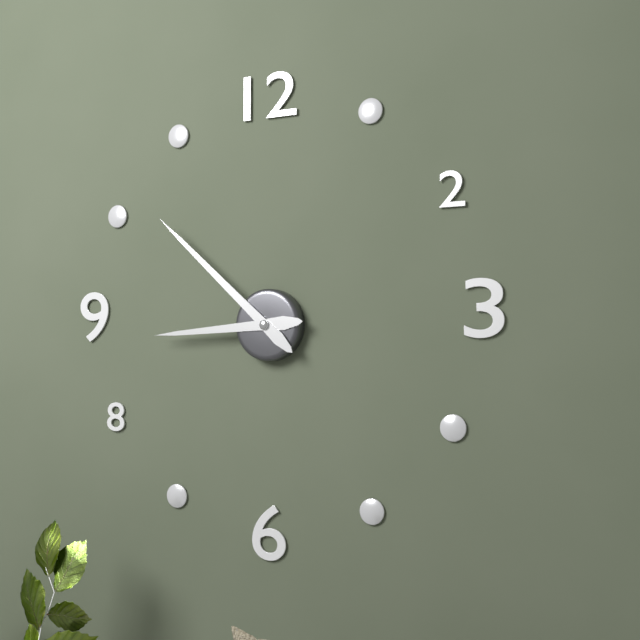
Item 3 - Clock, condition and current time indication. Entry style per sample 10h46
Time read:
8h52
